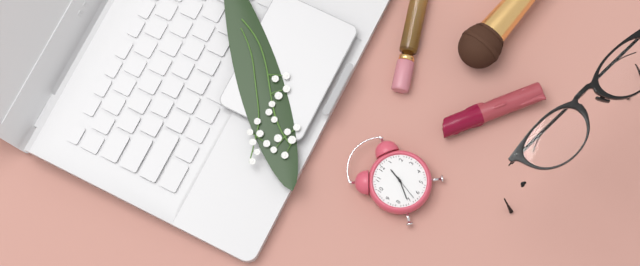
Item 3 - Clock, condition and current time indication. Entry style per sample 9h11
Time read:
12h36
